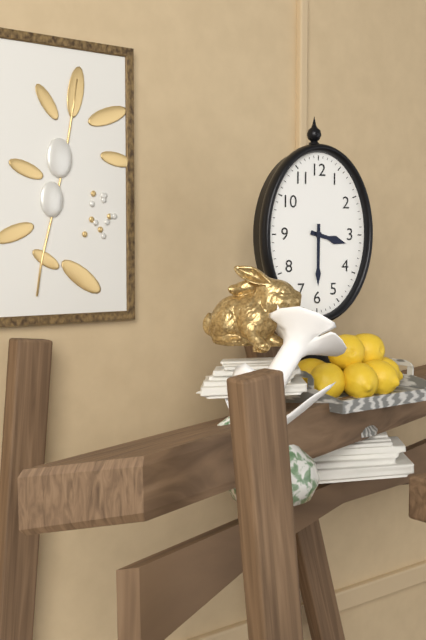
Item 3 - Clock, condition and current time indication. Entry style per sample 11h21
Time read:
3h30
